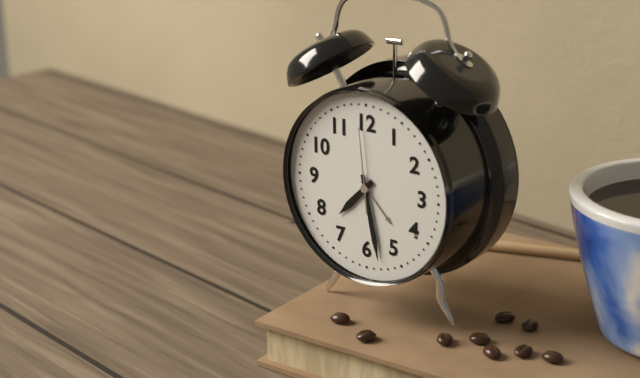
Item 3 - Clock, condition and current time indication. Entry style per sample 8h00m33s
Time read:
7h28m59s
